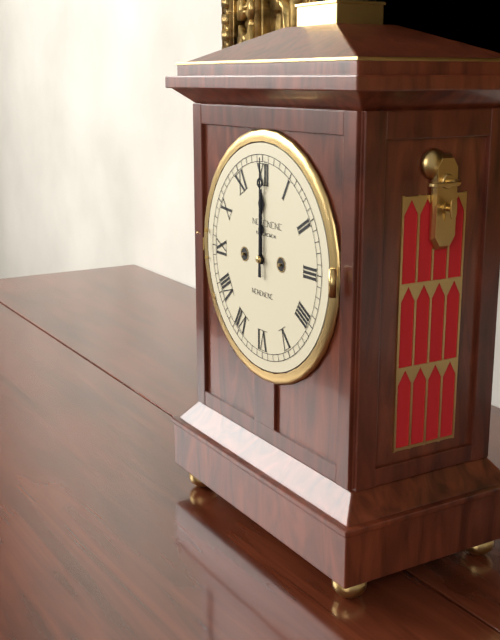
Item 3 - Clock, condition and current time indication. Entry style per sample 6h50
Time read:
12h00
